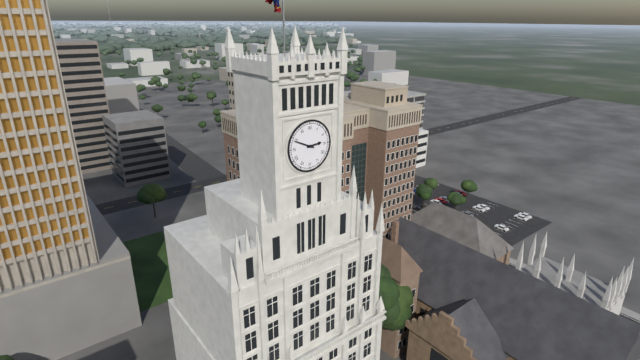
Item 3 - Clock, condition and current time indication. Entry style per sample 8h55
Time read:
2h49
